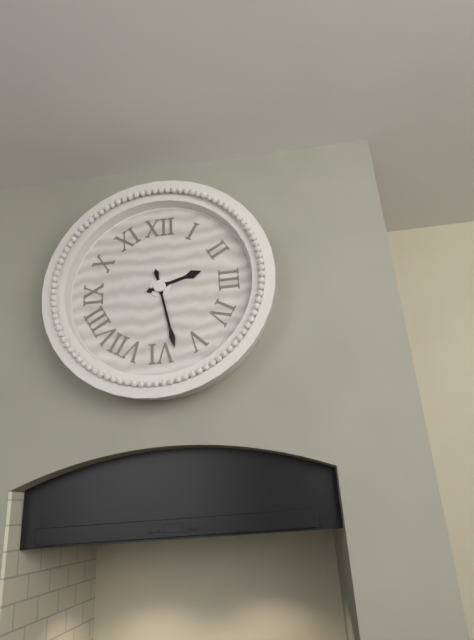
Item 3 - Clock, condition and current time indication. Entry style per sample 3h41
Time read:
2h28
